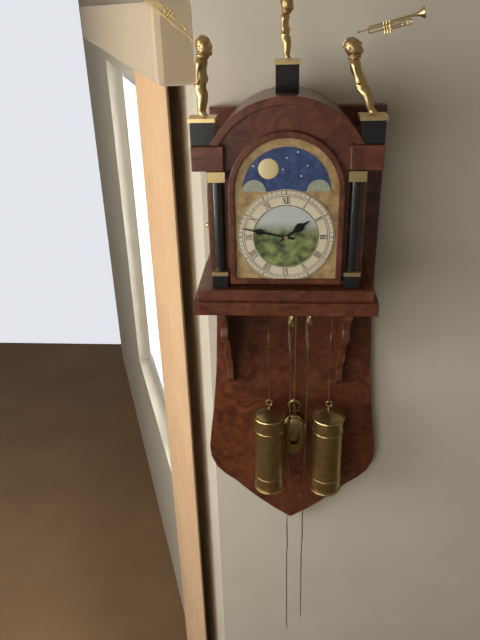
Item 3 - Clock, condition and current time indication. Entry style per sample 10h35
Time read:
1h47
